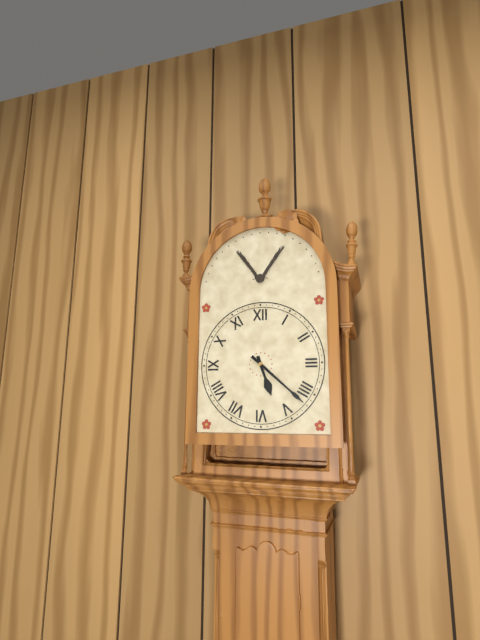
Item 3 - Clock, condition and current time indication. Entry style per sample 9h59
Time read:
5h22
